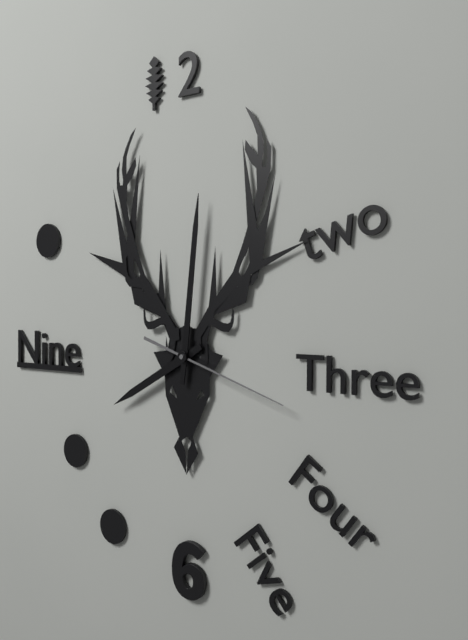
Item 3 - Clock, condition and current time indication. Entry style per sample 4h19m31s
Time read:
8h01m18s
